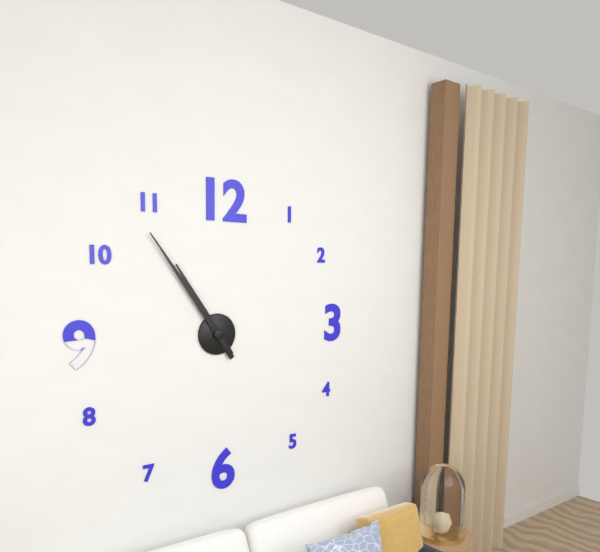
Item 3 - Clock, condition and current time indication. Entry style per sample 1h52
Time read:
10h54
